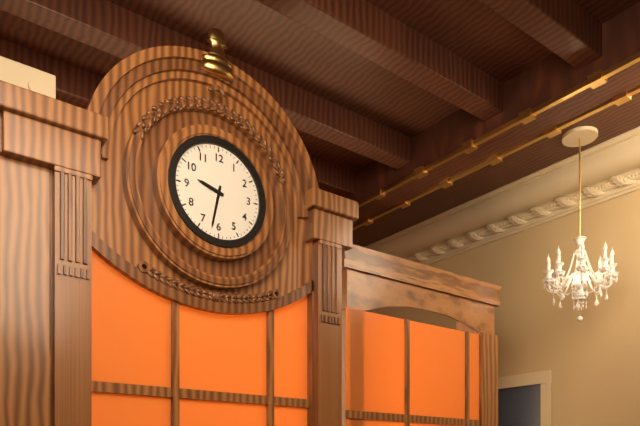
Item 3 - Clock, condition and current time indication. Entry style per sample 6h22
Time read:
9h32
